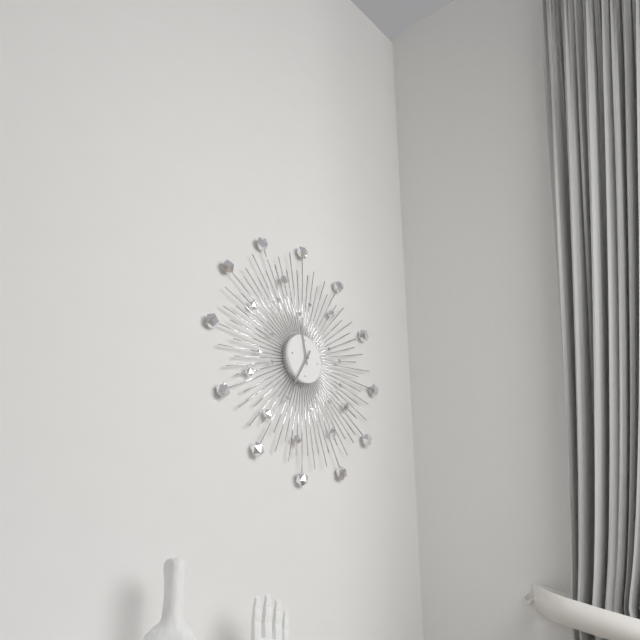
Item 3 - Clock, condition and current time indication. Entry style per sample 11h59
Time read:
11h35
